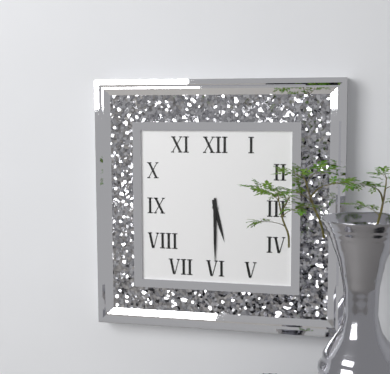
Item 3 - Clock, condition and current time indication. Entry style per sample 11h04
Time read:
5h30
